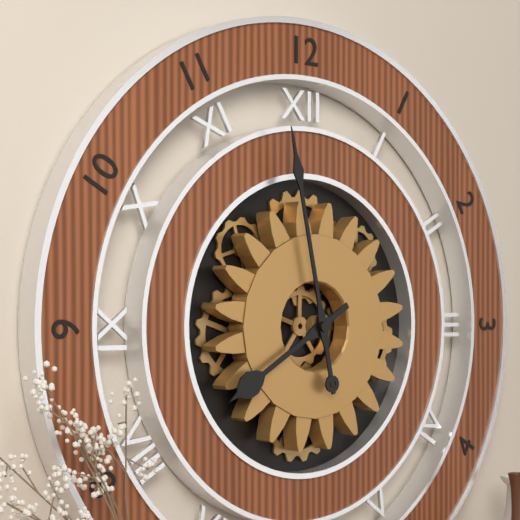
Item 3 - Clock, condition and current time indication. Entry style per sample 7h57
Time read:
7h58
